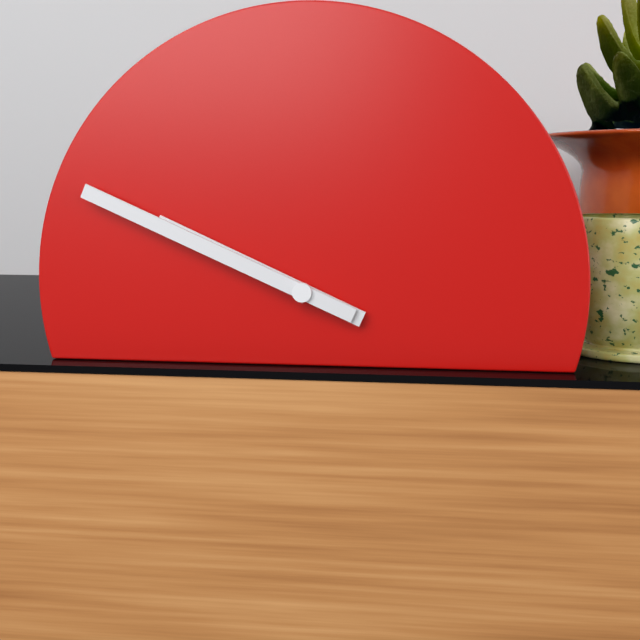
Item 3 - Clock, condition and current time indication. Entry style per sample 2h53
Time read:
9h49
